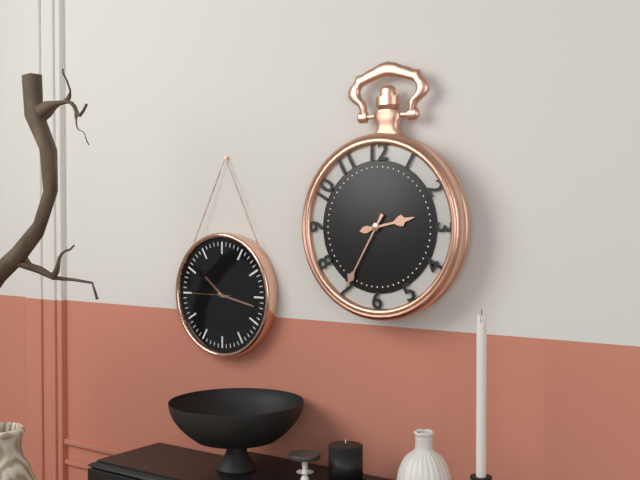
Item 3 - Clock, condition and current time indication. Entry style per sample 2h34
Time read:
2h35
